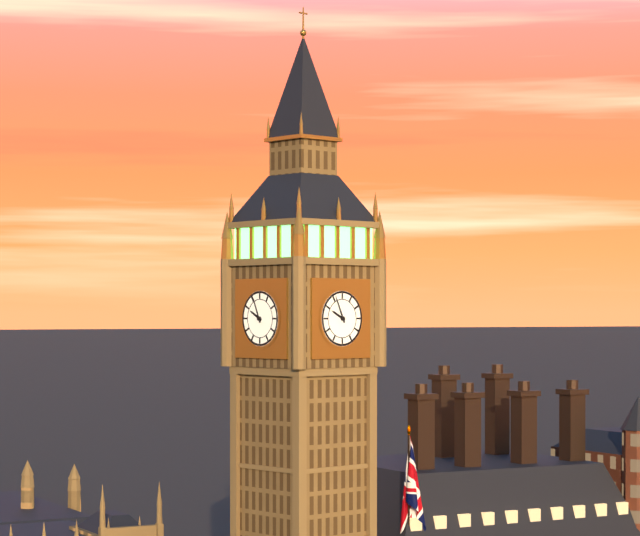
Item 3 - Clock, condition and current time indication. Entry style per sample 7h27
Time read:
9h56
